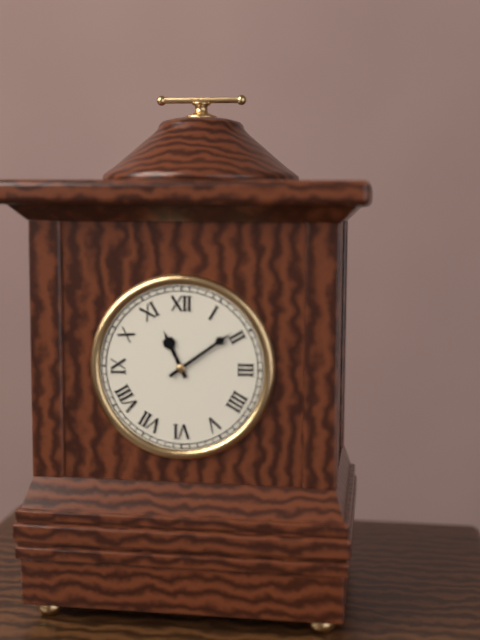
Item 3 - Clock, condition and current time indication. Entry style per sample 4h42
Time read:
11h09
